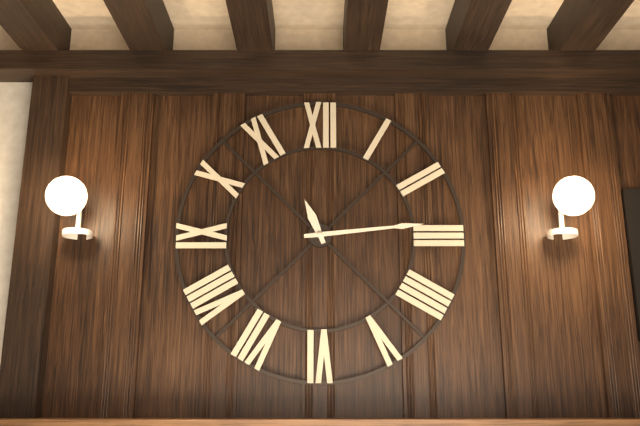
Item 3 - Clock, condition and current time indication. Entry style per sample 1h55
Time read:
11h14
